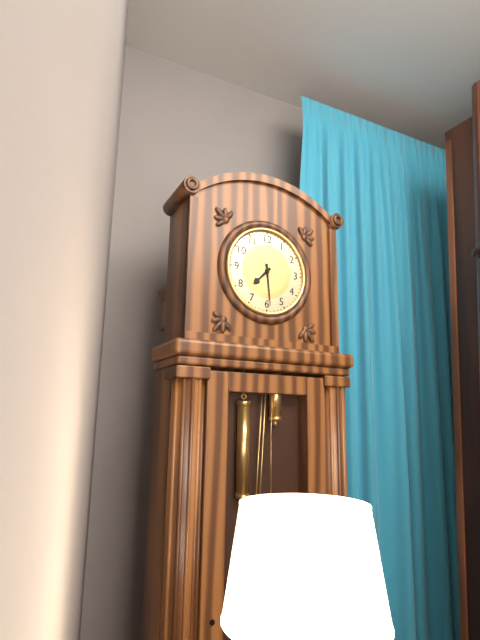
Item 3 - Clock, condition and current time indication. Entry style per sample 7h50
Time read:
7h29
